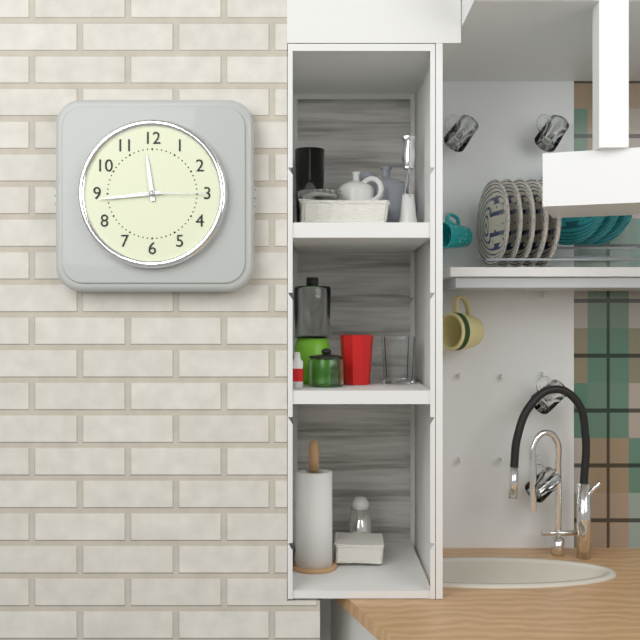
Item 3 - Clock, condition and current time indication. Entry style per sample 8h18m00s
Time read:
11h44m15s
